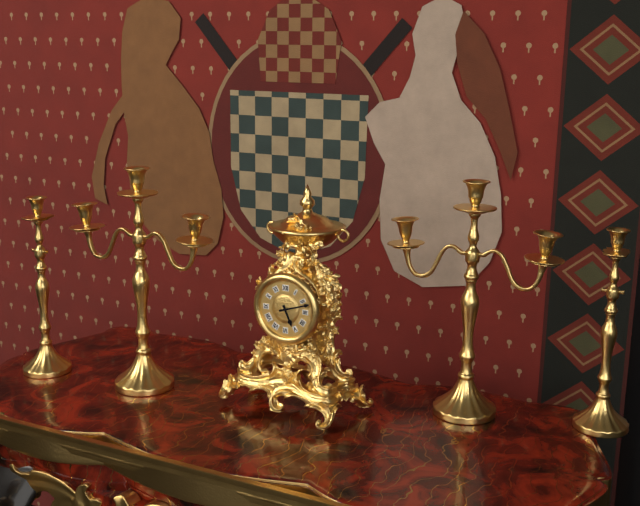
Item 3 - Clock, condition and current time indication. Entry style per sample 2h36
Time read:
5h12
